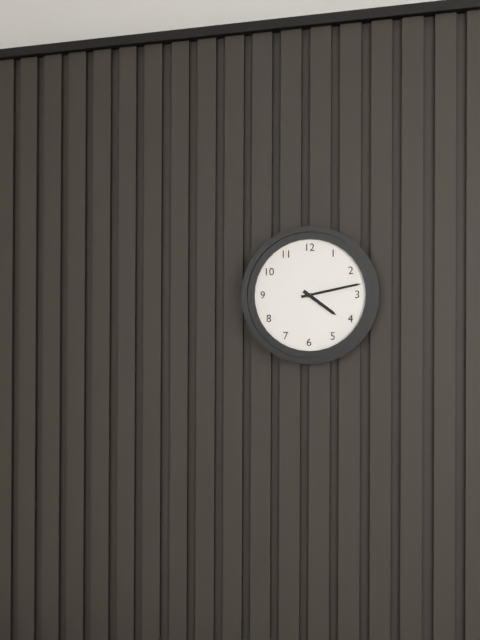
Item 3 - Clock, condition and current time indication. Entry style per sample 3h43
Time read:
4h13
